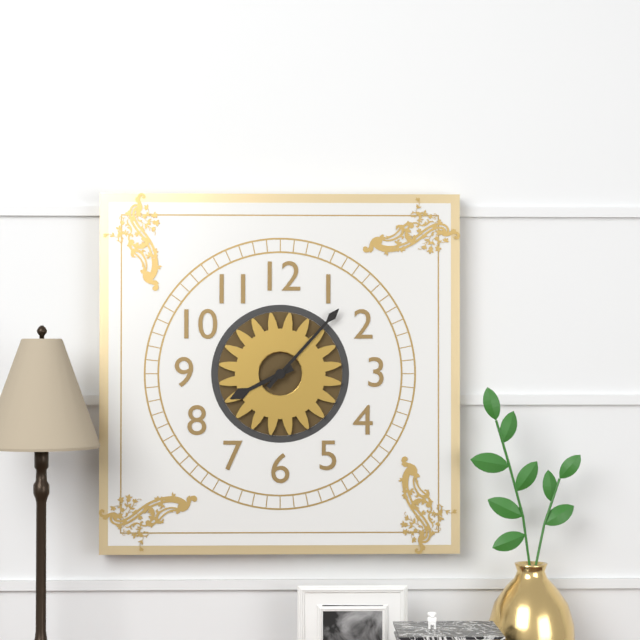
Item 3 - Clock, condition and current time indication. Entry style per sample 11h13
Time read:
8h07
